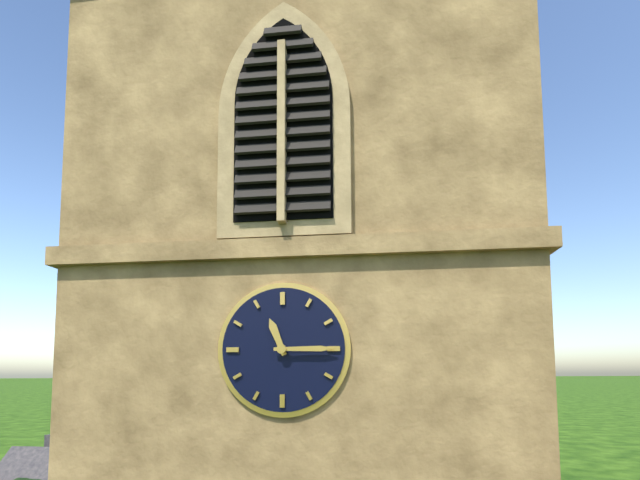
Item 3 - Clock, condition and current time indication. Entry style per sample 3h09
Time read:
11h15
